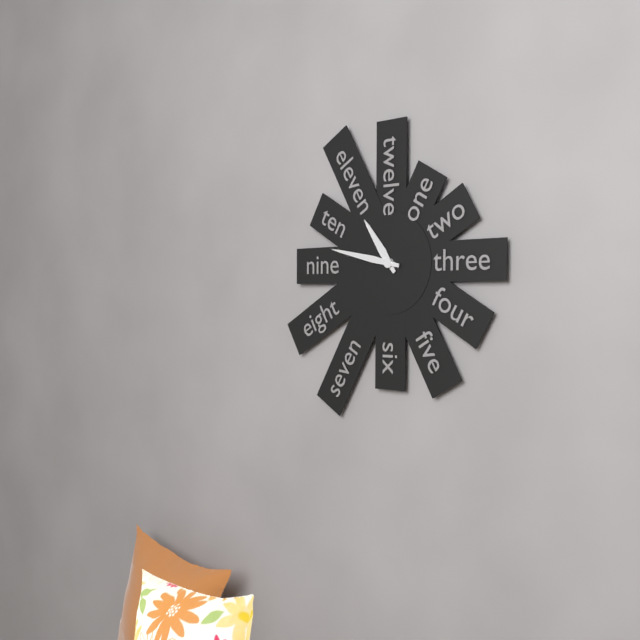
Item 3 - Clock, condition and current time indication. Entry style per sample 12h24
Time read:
10h47
